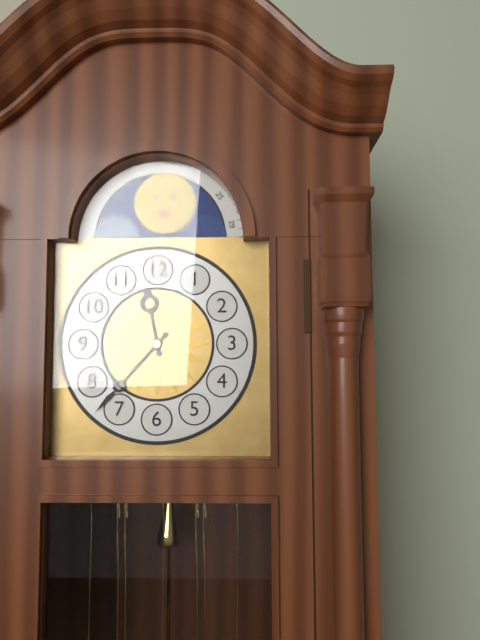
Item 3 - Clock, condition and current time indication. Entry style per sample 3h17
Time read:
11h37
